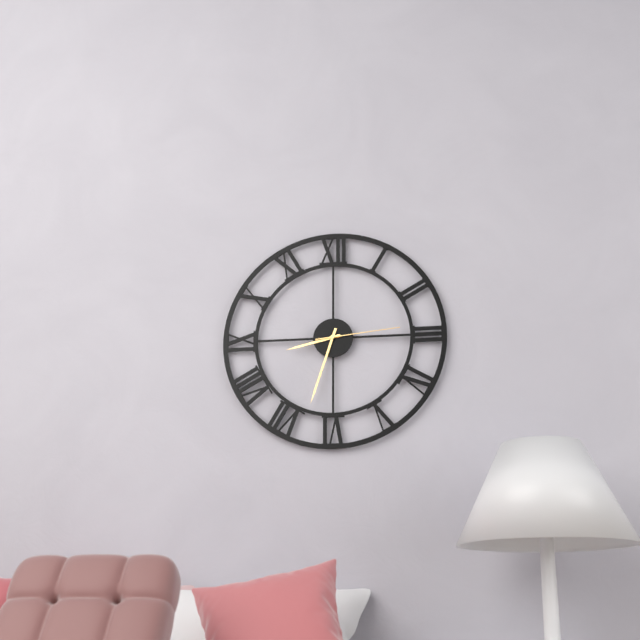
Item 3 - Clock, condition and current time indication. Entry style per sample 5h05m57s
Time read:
8h33m14s
